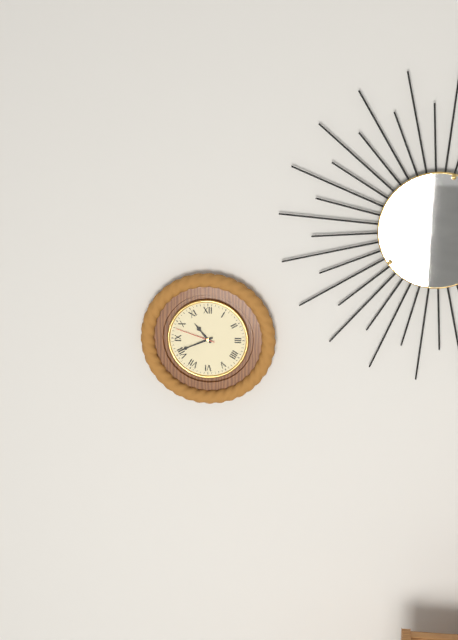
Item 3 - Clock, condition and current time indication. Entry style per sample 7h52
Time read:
10h41
